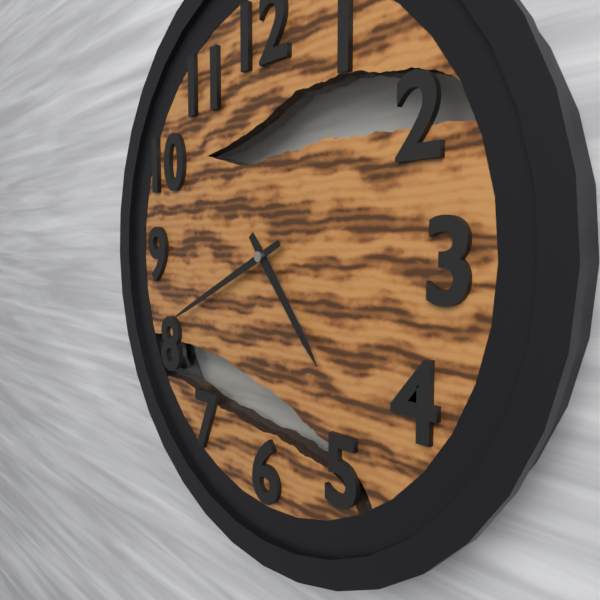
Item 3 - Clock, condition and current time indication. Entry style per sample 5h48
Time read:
4h41
